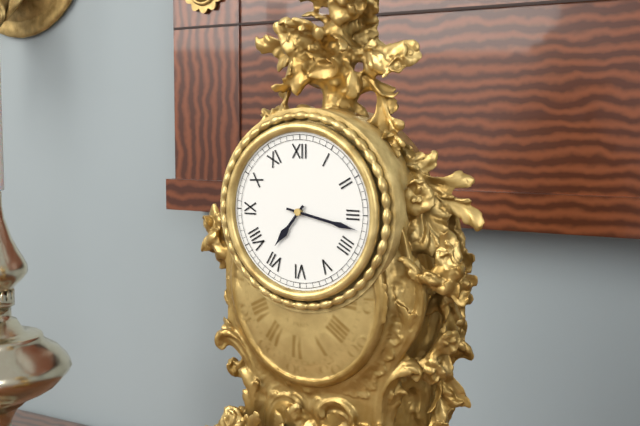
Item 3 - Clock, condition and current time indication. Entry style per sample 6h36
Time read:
7h17
